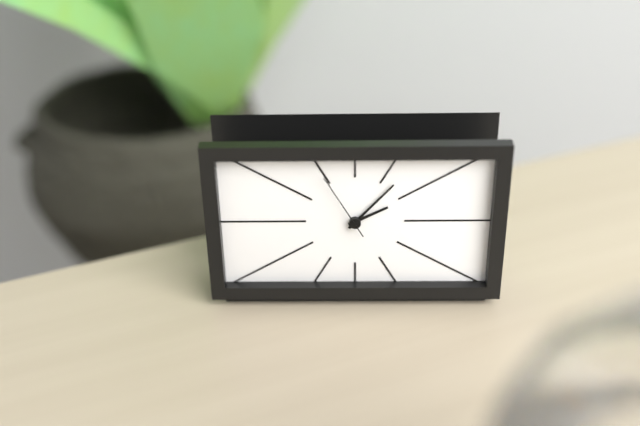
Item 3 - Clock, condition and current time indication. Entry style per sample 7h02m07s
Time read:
2h07m55s
